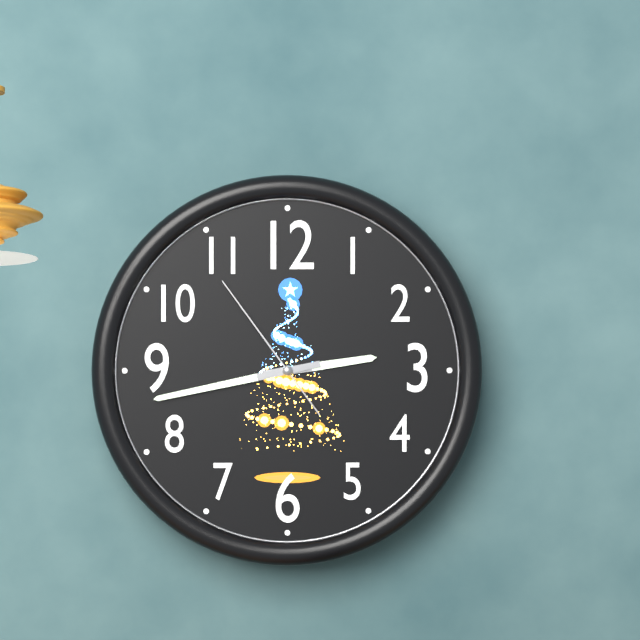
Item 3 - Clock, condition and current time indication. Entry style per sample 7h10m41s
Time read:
2h43m54s
